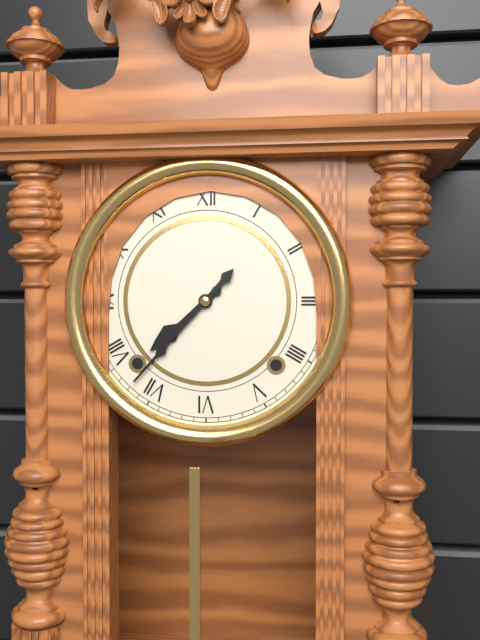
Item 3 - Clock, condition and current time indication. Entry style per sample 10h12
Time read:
7h37
